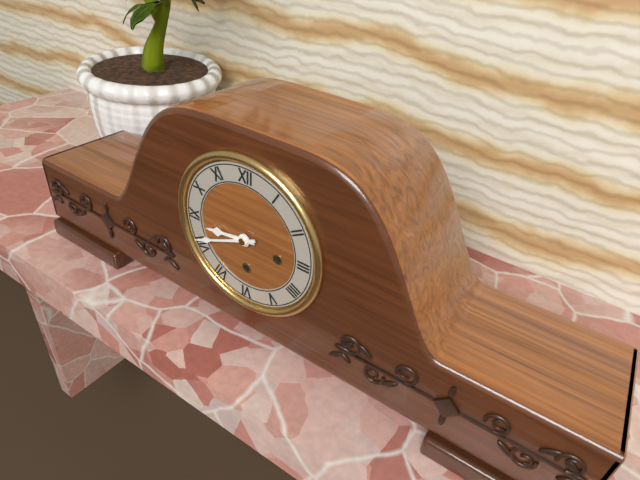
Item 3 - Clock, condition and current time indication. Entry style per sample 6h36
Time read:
8h41
